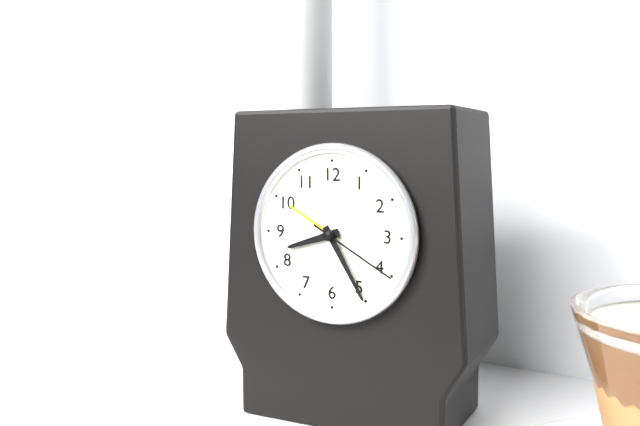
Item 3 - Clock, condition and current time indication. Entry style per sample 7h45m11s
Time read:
8h25m20s
